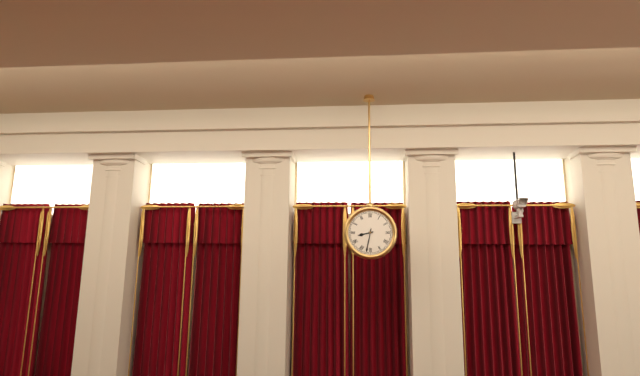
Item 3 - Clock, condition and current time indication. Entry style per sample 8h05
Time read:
8h32
